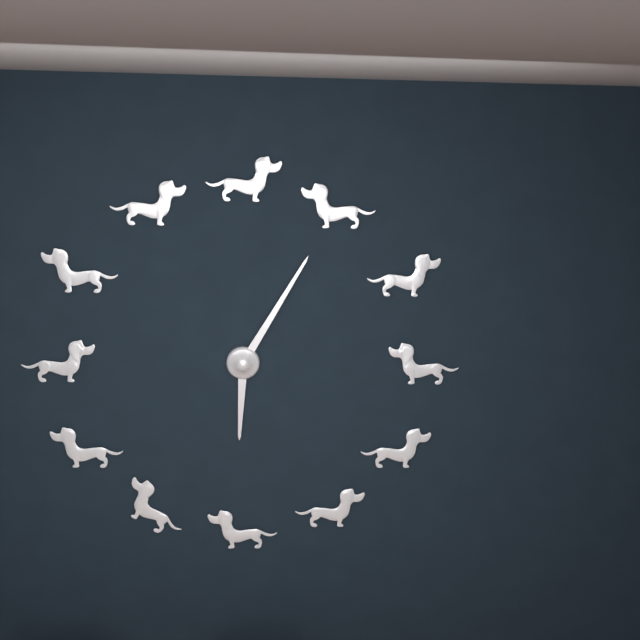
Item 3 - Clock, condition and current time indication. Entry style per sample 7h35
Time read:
6h05
